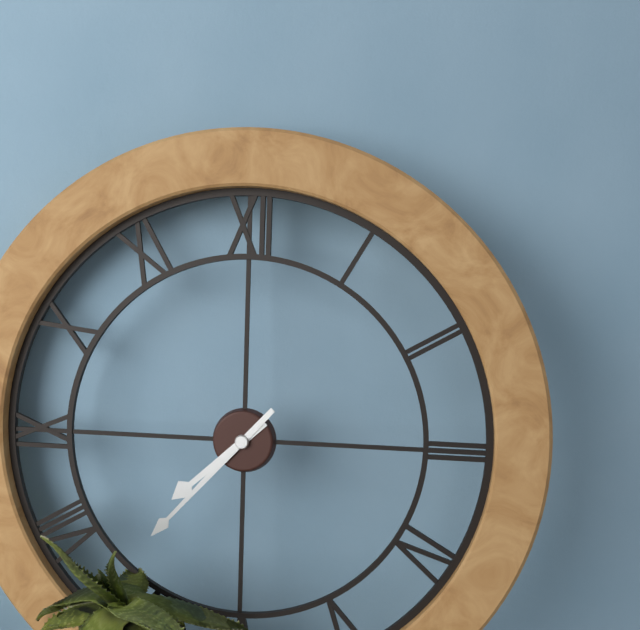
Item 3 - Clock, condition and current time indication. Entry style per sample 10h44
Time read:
7h37
